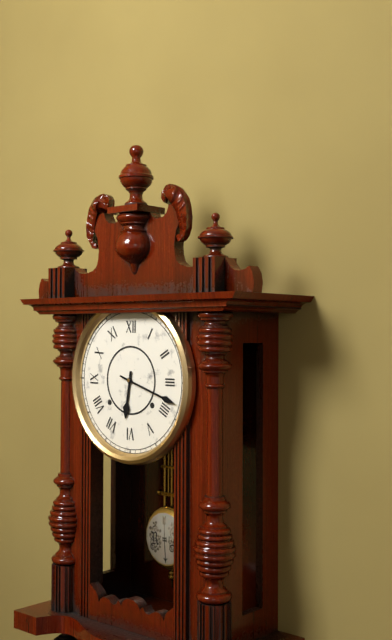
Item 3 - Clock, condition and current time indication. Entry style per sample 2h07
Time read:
6h18
